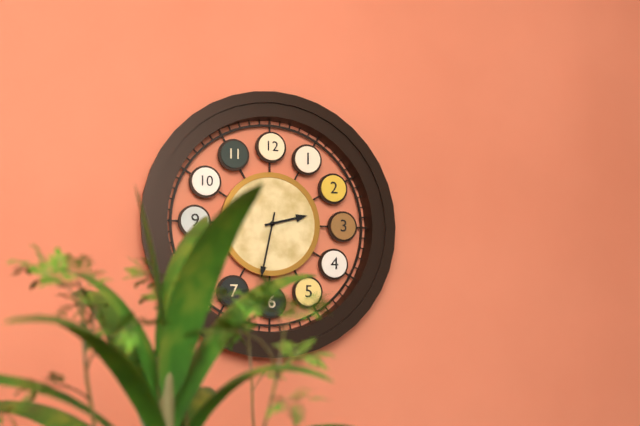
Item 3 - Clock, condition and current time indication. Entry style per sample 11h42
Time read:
2h32
